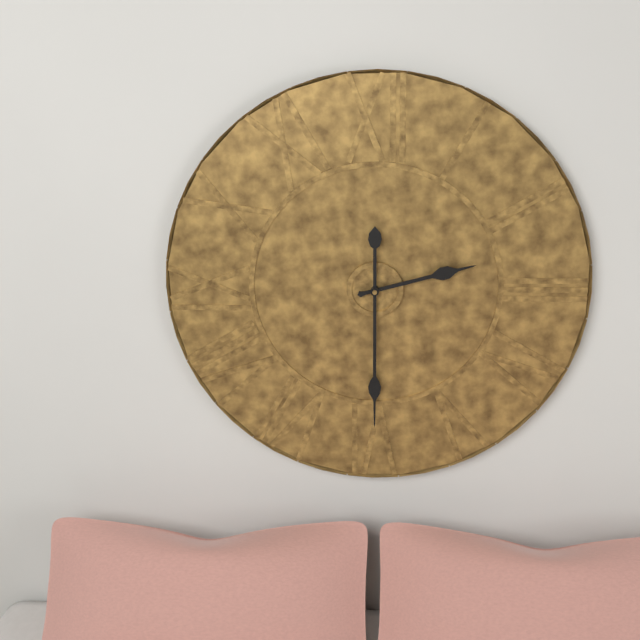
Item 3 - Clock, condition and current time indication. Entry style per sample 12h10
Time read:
2h30
